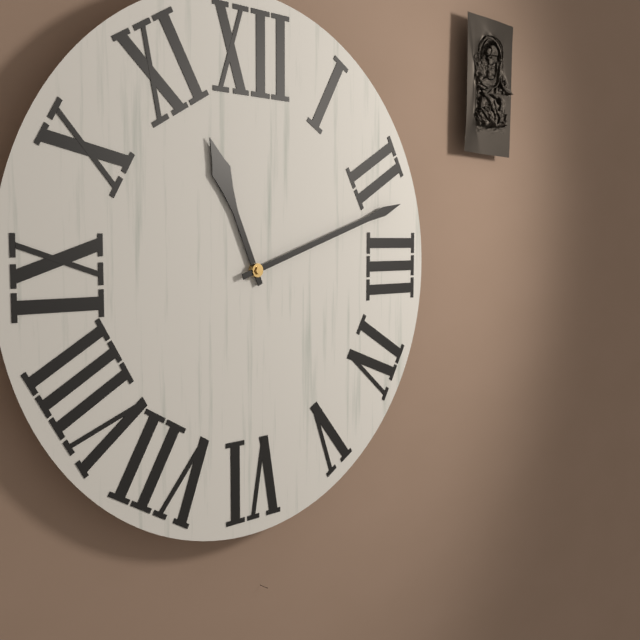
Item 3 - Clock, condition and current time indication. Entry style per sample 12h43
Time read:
11h12
